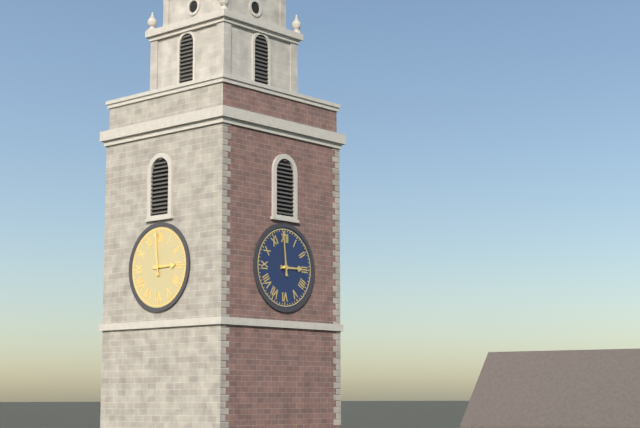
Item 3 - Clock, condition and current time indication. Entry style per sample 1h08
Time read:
2h59
